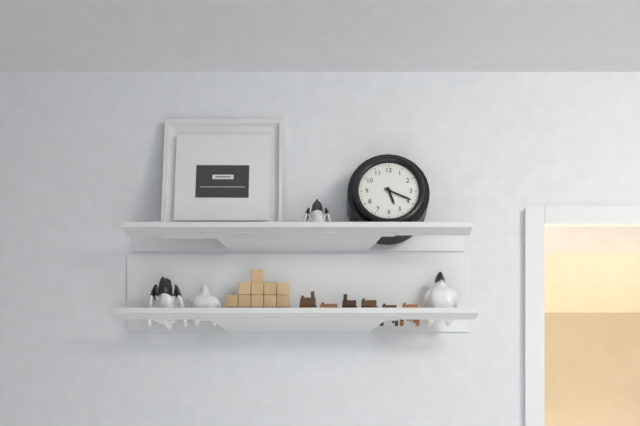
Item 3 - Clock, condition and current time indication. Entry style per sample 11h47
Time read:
5h19
